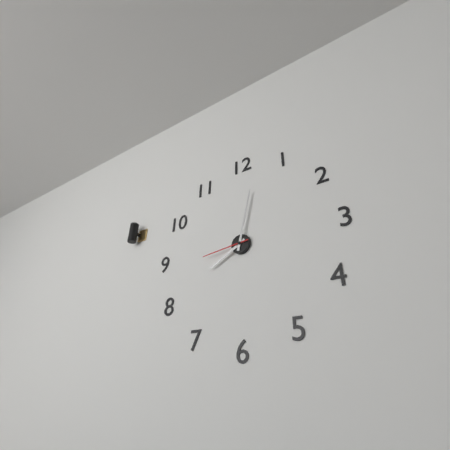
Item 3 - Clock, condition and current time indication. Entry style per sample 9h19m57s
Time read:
8h02m44s
